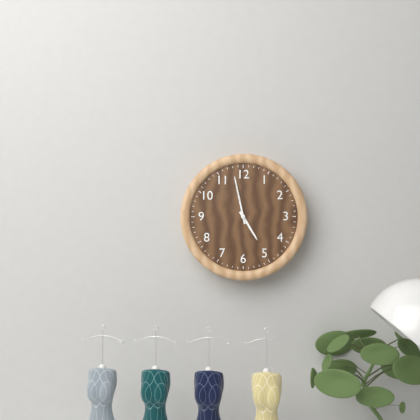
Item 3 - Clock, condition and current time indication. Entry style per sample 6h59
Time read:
4h58
